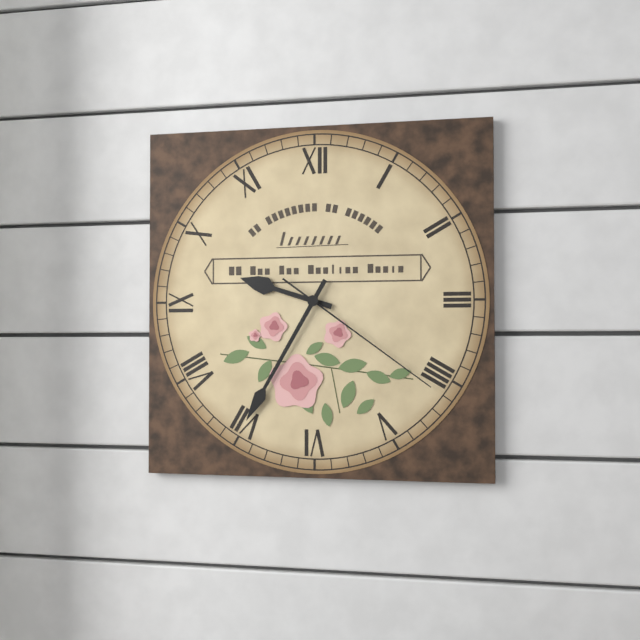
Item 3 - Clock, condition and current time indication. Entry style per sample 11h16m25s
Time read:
9h35m21s
